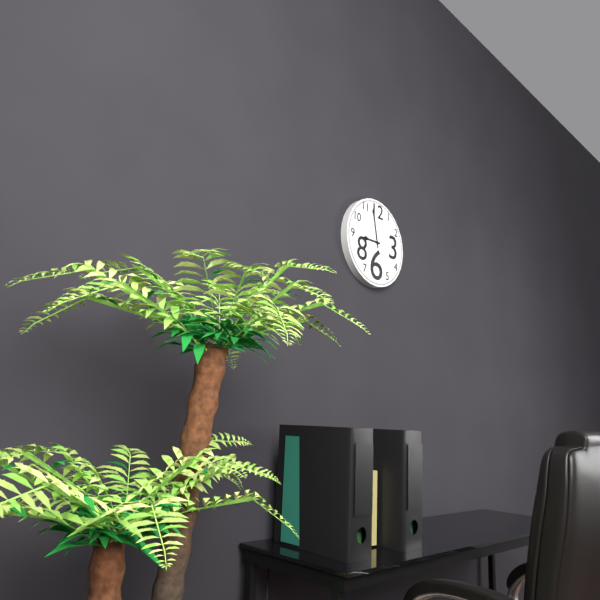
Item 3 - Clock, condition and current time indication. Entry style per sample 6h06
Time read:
8h58
